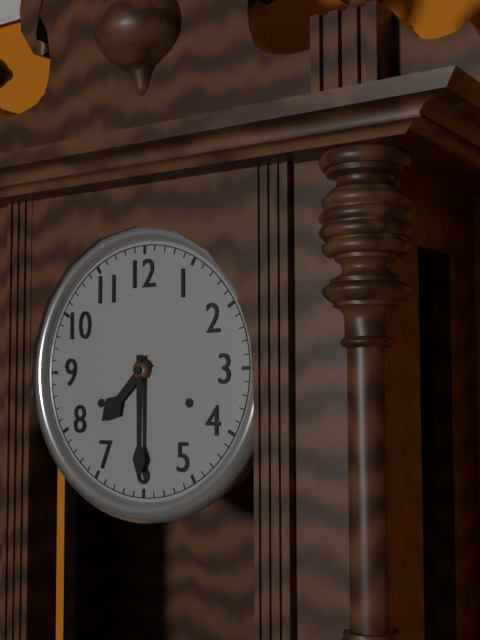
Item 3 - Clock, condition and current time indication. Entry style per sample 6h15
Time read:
7h30
